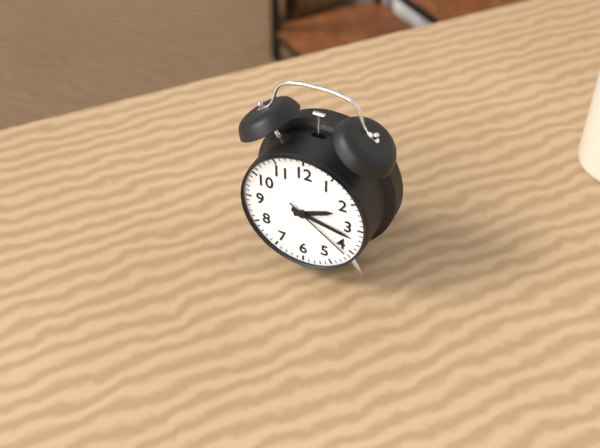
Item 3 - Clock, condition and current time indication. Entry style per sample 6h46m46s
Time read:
2h17m21s
